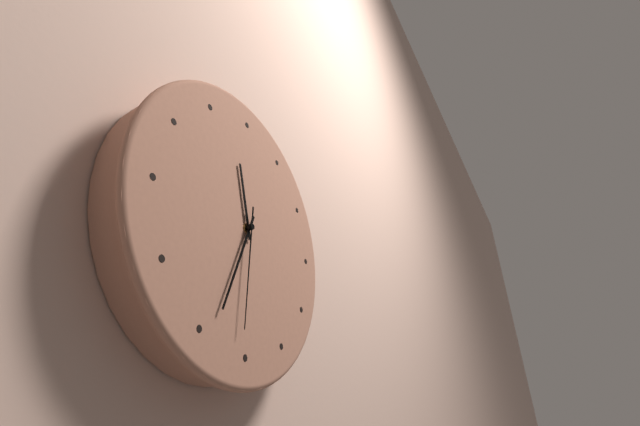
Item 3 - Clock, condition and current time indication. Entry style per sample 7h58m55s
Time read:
11h34m31s
